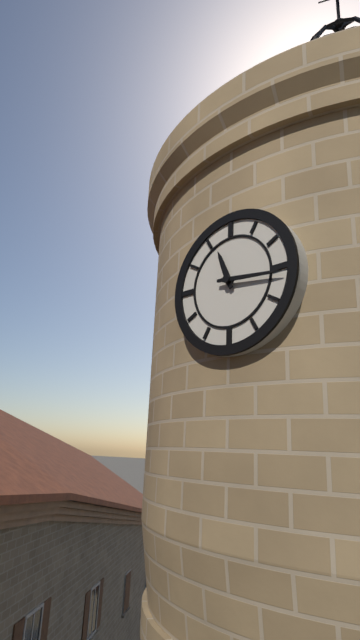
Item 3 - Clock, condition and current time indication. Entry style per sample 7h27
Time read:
11h16
